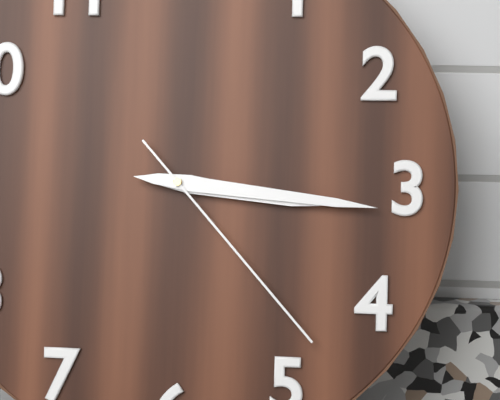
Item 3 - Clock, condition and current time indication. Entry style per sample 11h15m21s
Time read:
3h16m23s
